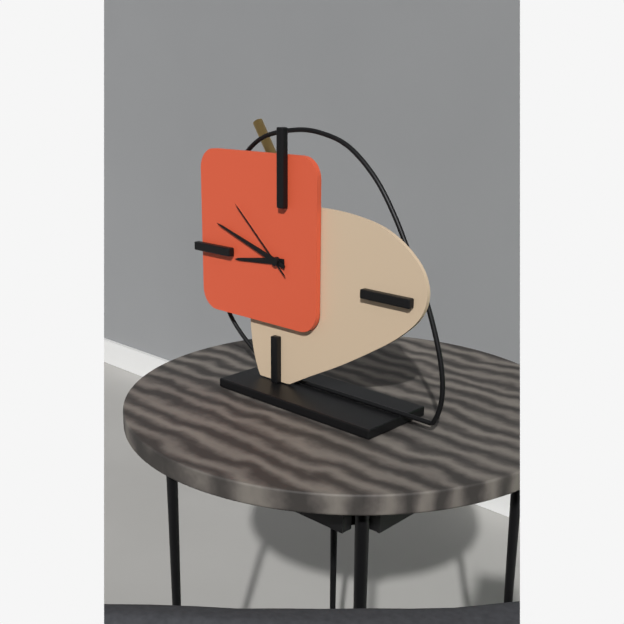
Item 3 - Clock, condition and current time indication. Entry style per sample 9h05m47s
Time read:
8h48m52s
